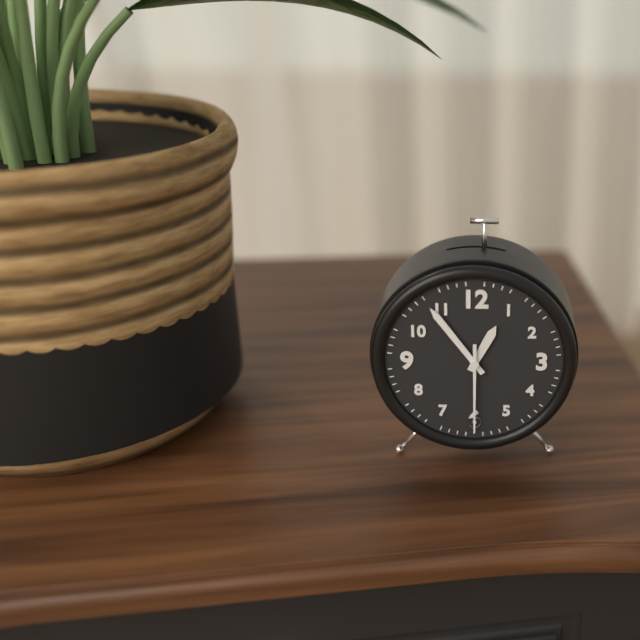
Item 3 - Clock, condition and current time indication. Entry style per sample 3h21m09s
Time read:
12h54m30s
